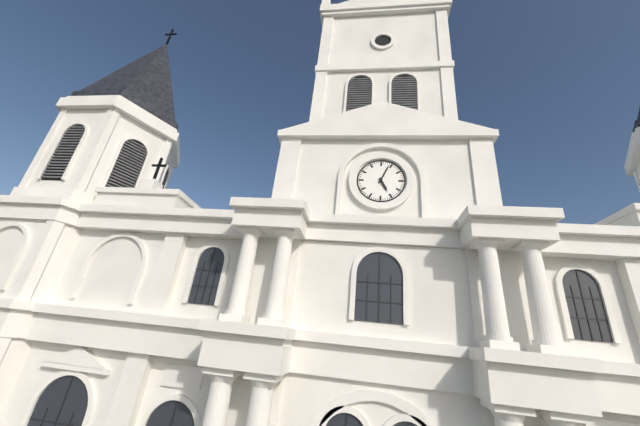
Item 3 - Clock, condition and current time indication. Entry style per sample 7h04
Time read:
5h04
